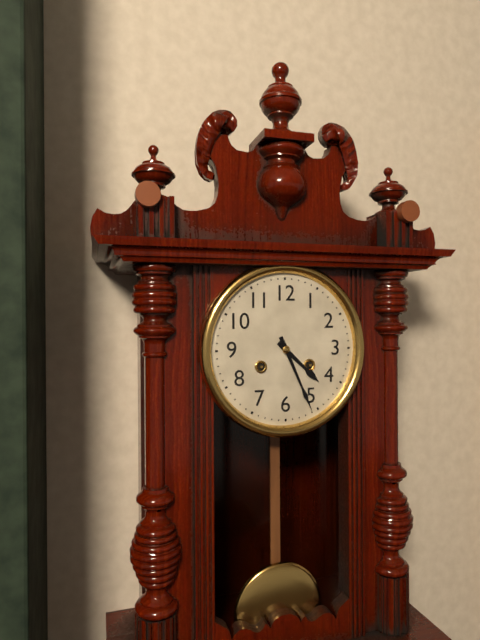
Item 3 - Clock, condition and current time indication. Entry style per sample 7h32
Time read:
4h26
